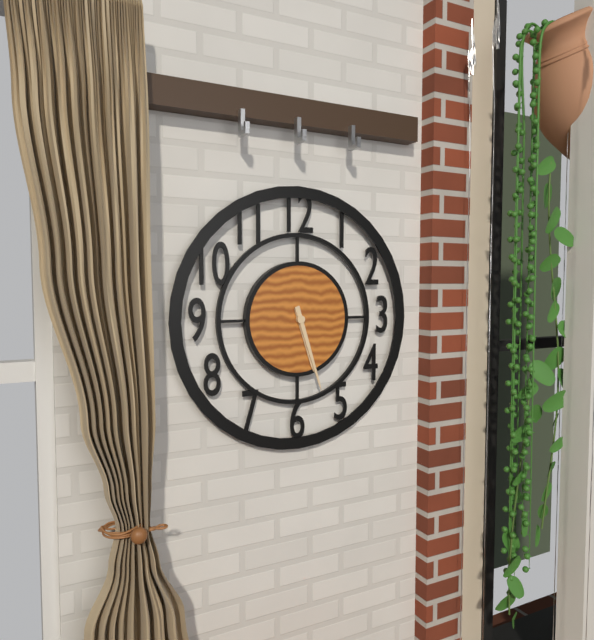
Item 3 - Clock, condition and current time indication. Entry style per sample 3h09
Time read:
5h27
